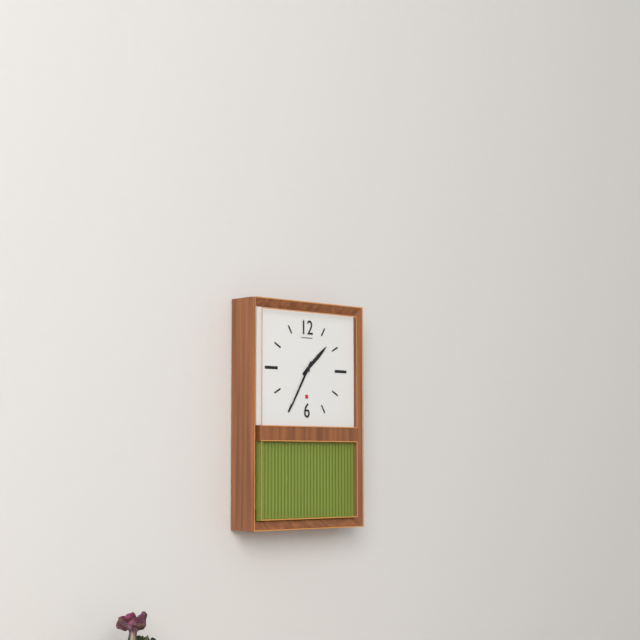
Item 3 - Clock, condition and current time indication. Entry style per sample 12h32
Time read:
1h35
